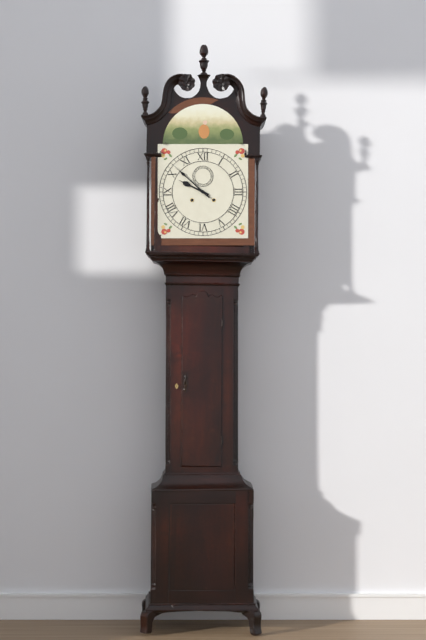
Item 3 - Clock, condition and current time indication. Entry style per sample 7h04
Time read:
9h52
